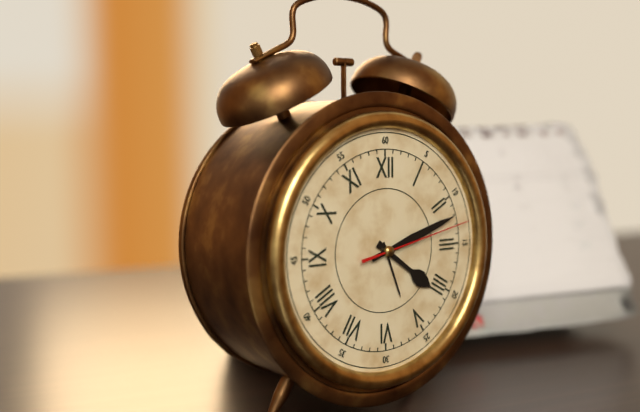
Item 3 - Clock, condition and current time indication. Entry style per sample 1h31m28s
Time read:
4h12m13s
